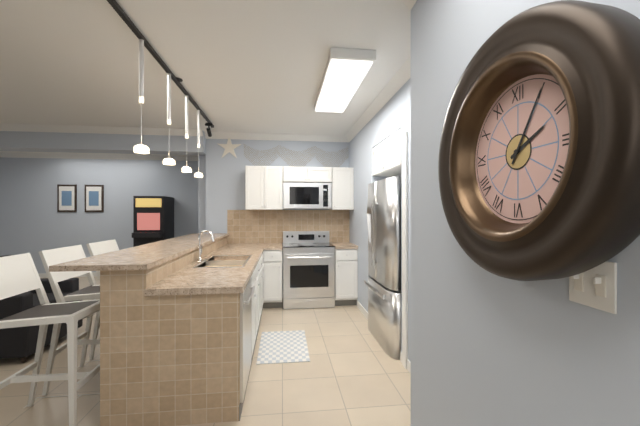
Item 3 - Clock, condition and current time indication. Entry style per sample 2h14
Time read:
2h05
